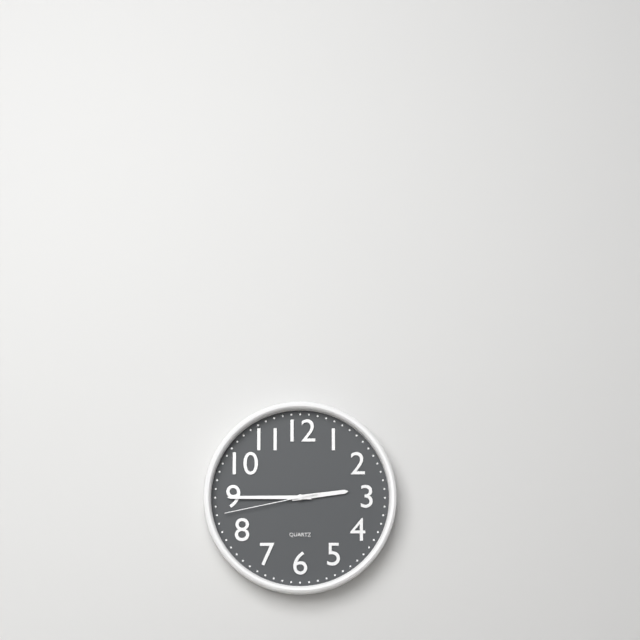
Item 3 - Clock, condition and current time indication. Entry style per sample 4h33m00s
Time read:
2h45m43s
